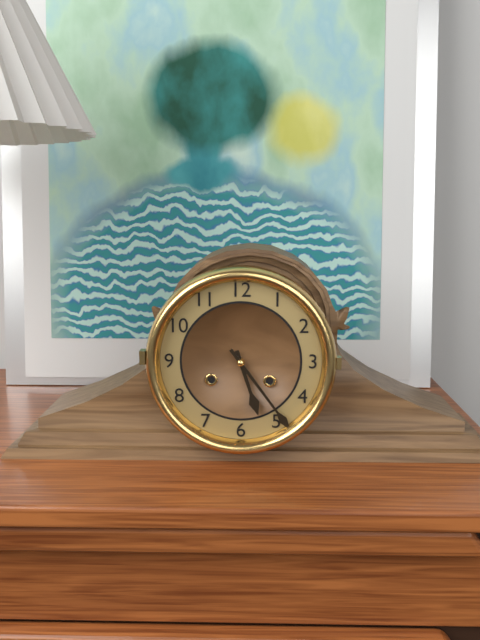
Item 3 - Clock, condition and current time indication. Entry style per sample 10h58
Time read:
5h24
